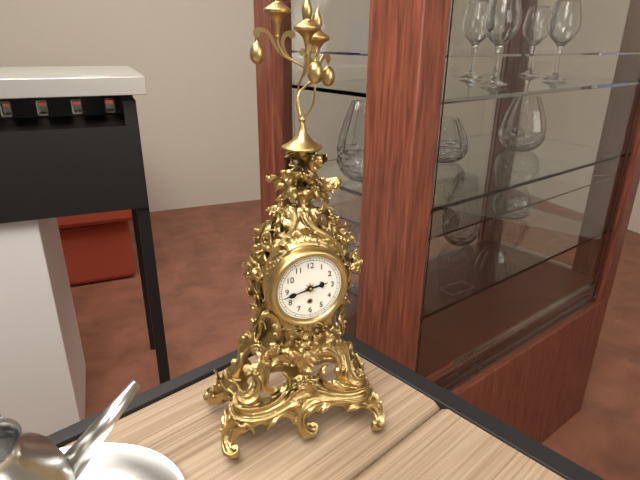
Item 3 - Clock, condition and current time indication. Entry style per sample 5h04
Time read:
2h43
